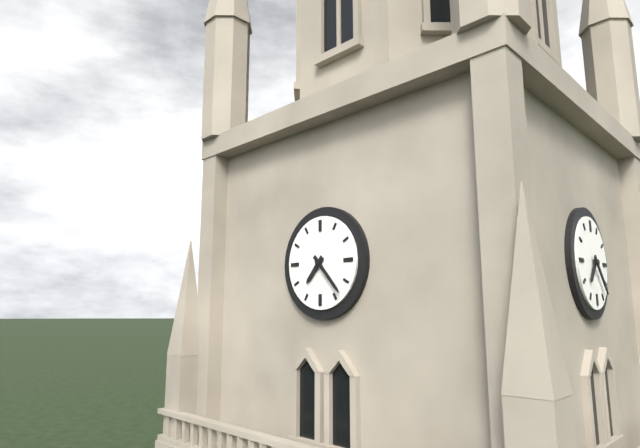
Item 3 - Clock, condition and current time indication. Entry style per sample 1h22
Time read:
7h23
